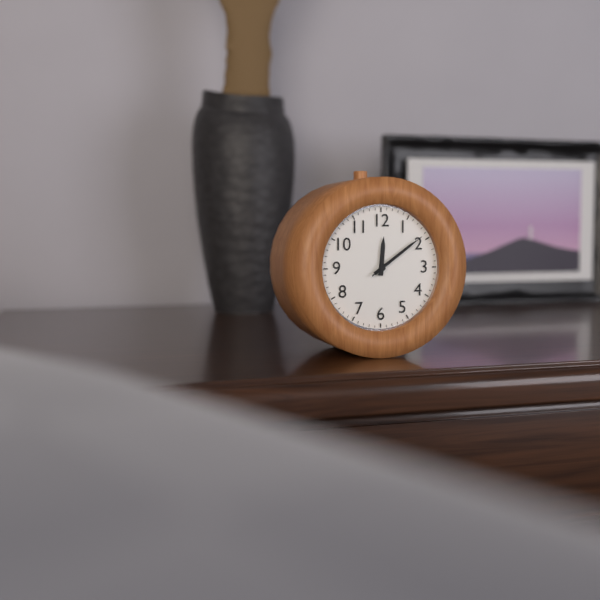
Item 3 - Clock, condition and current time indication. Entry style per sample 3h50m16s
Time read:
12h09m09s
